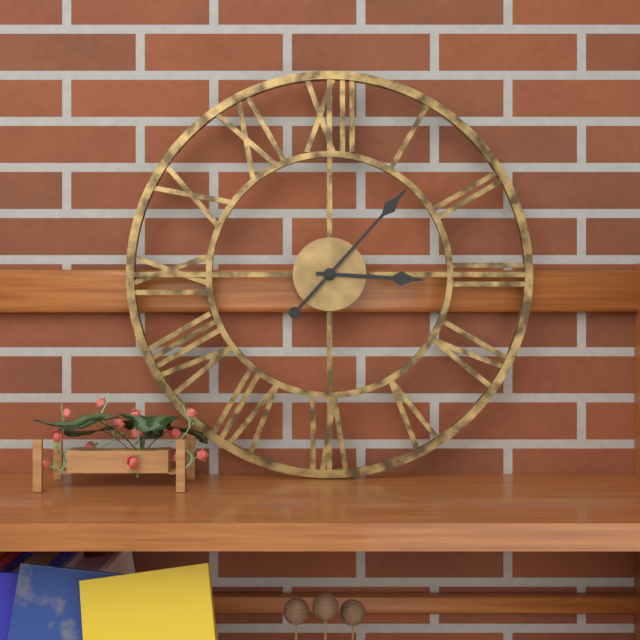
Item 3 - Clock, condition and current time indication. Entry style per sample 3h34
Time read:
3h07
